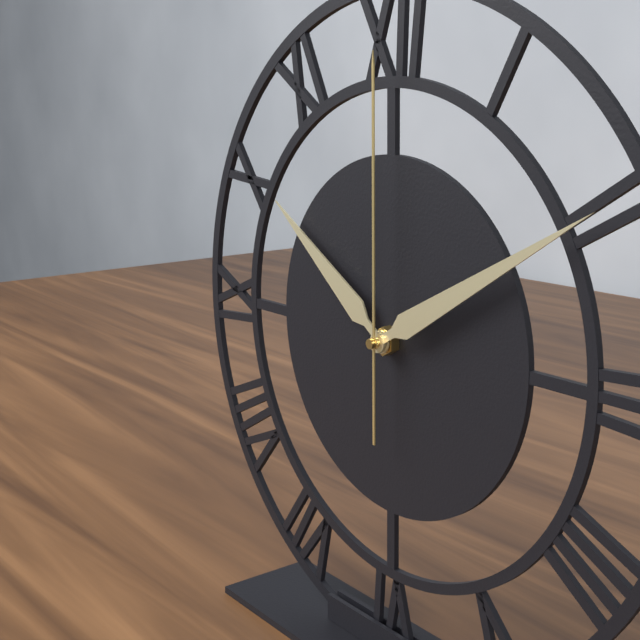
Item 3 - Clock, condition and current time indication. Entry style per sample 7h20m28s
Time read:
10h10m00s
